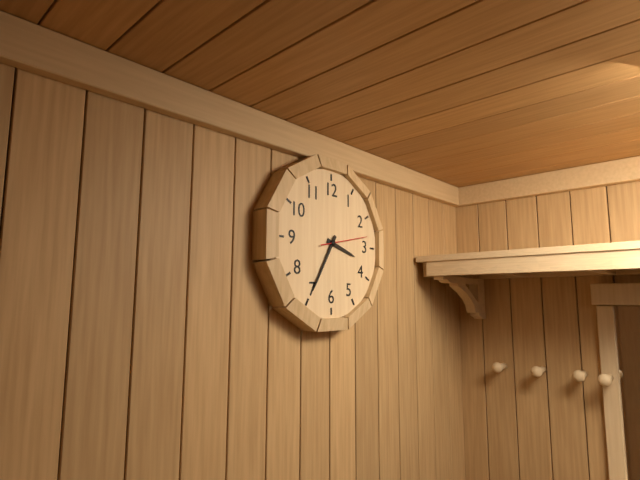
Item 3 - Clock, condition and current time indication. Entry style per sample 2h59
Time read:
3h35
